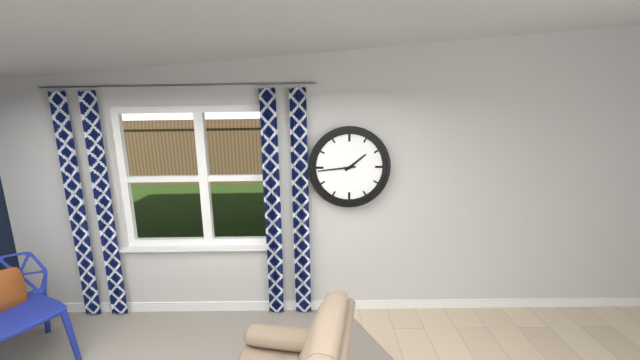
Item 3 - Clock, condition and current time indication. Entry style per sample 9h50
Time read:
1h44
